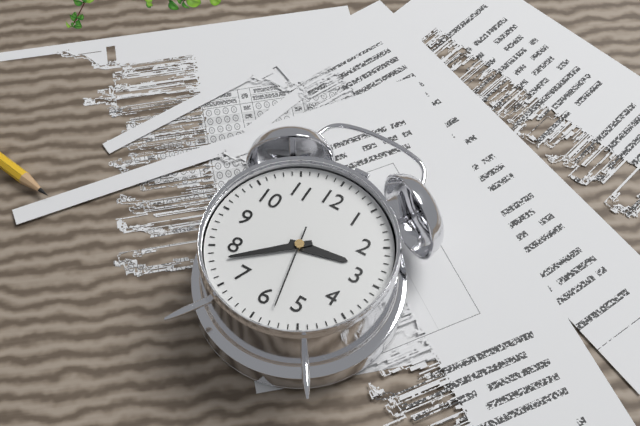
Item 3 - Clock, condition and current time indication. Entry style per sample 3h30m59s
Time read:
2h38m28s
